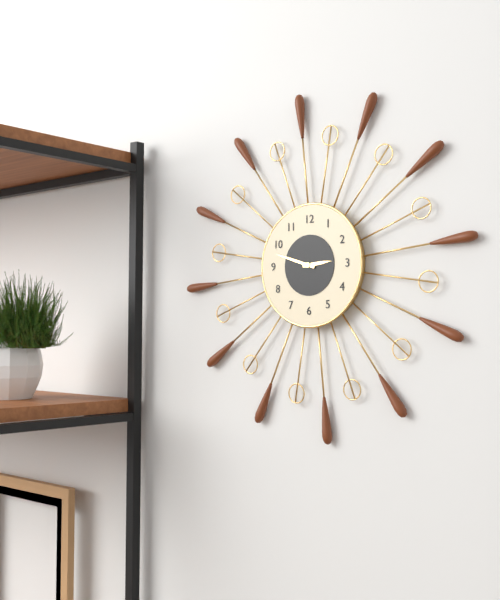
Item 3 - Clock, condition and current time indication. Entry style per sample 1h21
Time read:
2h48
